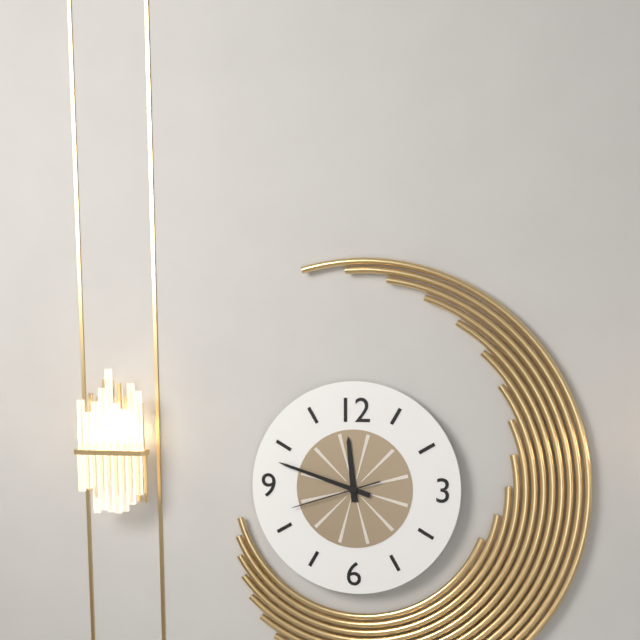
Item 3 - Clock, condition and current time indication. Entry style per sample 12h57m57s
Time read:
11h48m42s
